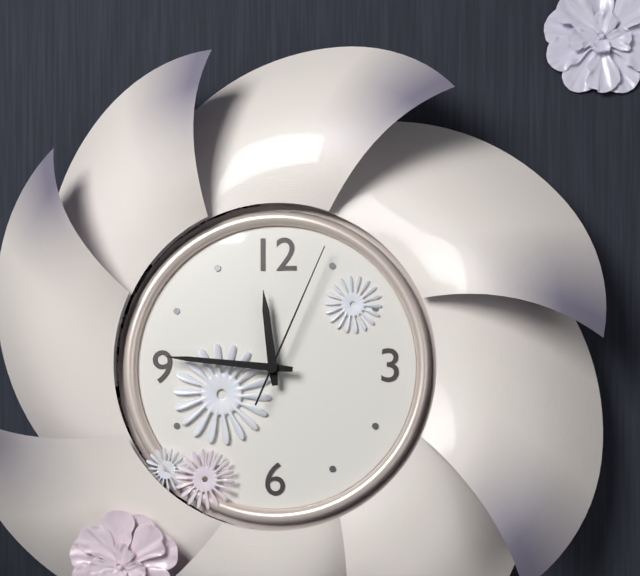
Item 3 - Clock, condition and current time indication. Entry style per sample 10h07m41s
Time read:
11h46m04s
